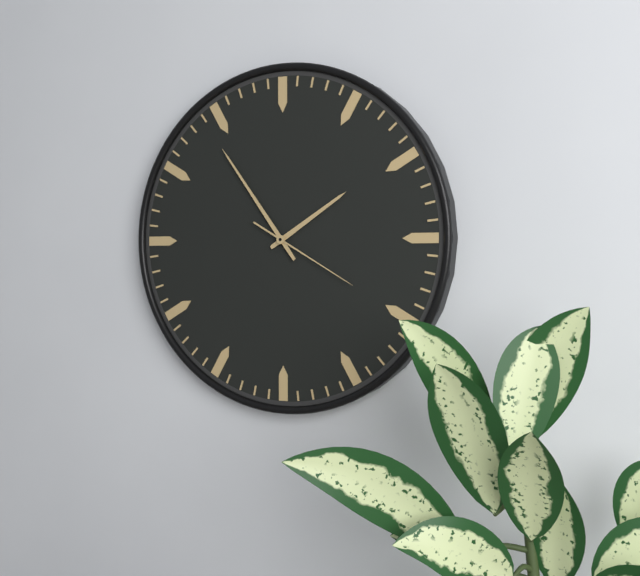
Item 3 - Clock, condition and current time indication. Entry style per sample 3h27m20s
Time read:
1h54m20s
